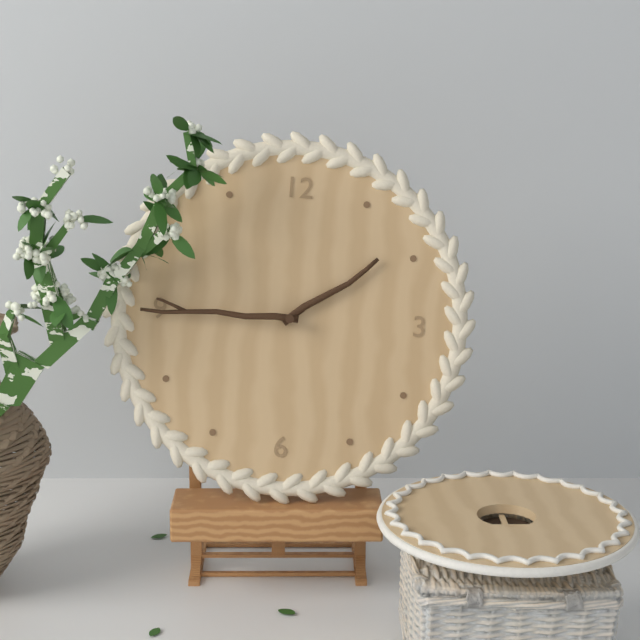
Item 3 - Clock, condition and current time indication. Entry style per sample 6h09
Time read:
1h45
